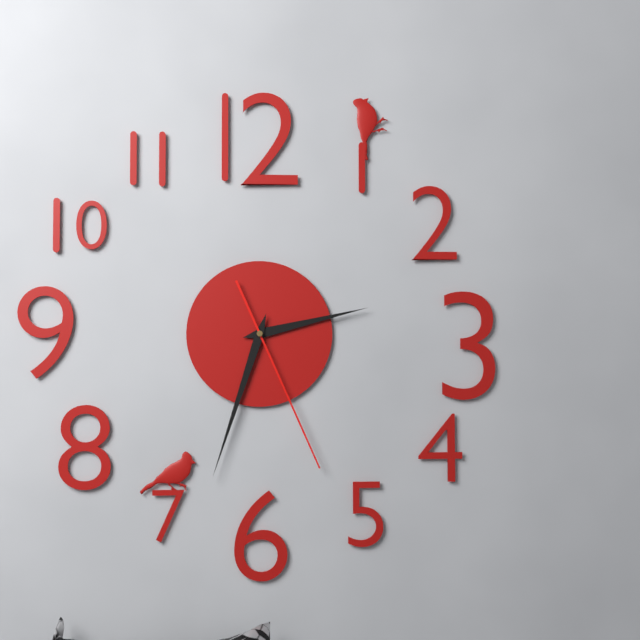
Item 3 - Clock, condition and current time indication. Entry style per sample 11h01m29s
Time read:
2h33m26s
